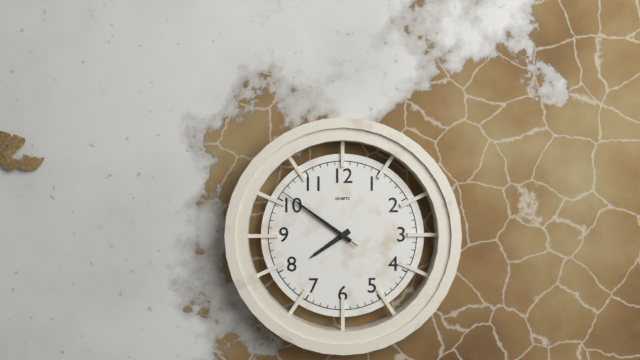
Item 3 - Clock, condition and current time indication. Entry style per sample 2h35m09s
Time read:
7h51m51s
